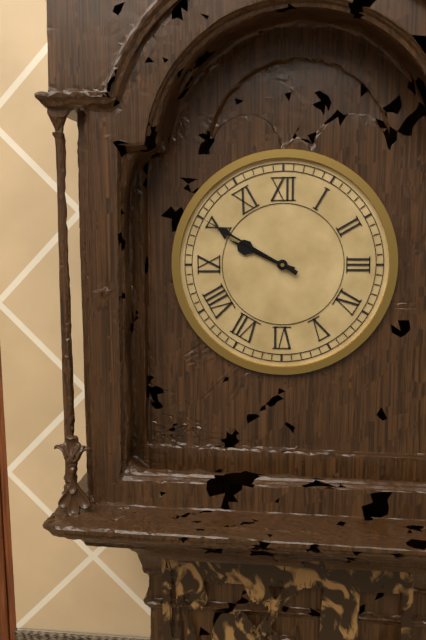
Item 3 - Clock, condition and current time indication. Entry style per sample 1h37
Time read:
9h50
